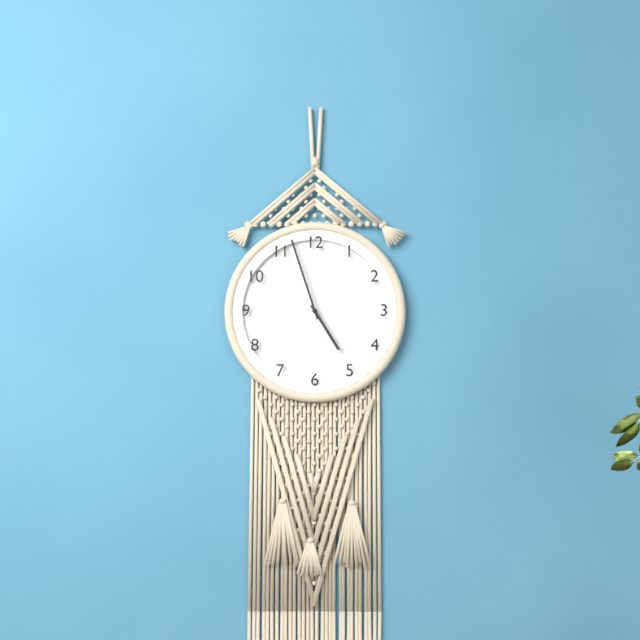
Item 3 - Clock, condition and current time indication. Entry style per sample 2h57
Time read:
4h57
